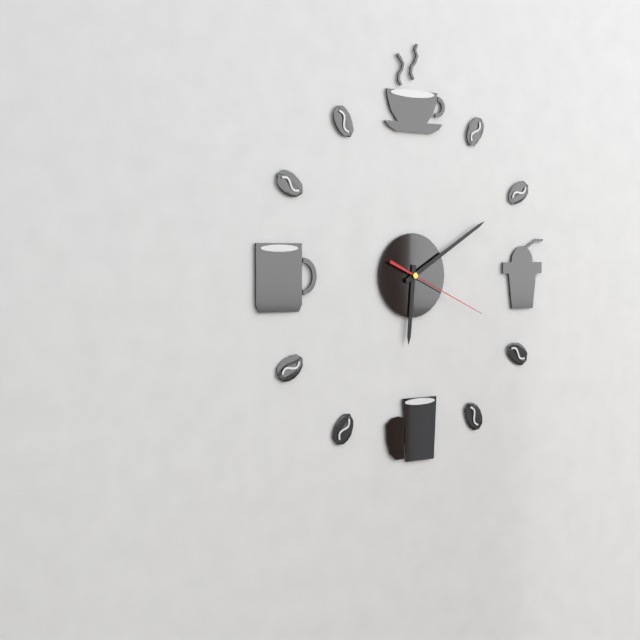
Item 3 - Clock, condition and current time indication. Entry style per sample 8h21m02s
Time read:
6h10m19s
